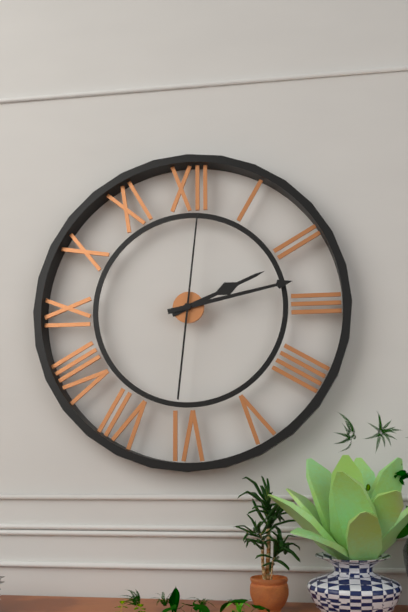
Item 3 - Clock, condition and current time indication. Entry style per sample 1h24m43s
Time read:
2h13m01s
